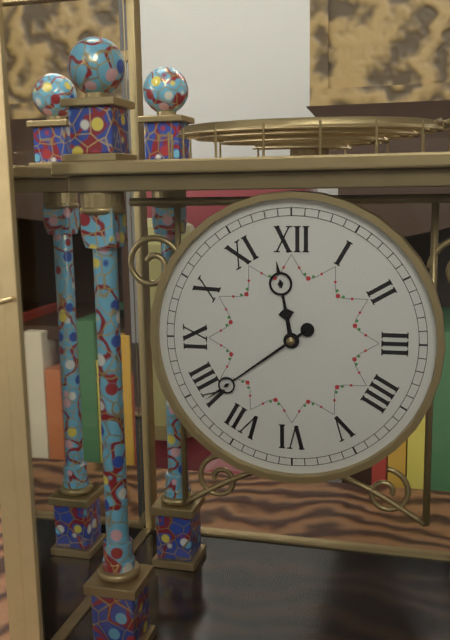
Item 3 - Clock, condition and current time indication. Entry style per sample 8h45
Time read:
11h39
